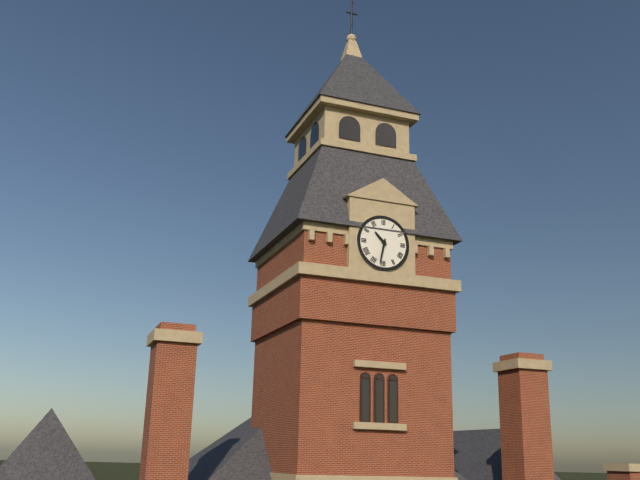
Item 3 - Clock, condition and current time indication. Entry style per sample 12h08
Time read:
10h32
